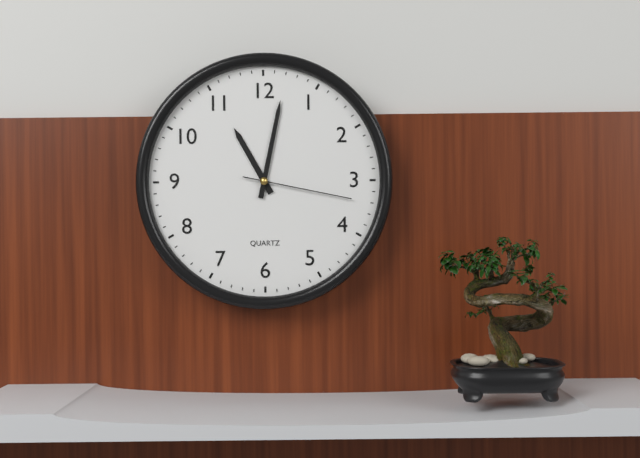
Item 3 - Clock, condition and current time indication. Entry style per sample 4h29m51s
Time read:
11h02m17s
